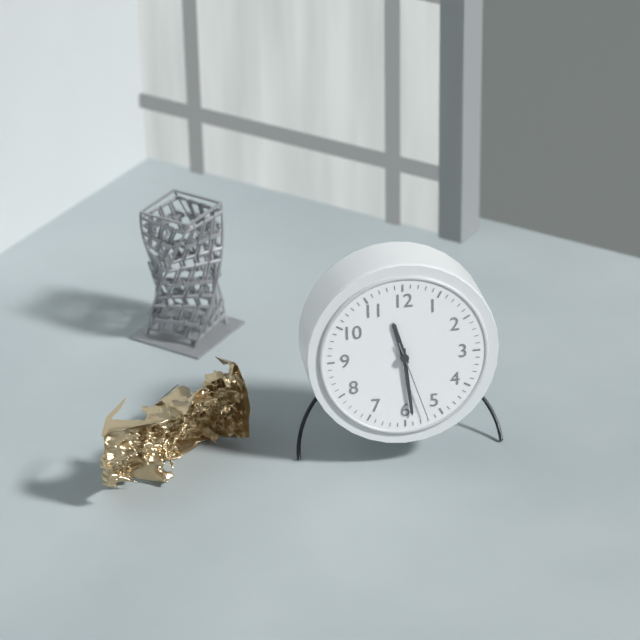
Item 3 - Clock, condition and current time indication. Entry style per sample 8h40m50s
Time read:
11h29m27s
